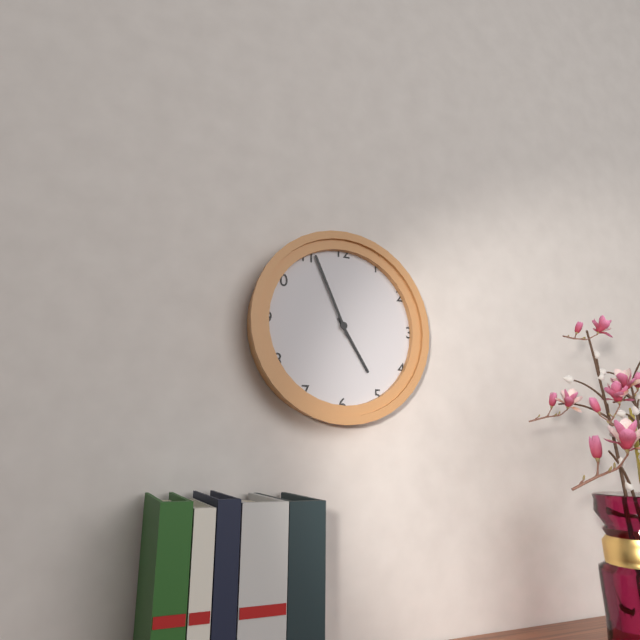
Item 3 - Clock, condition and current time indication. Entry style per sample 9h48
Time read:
4h56
